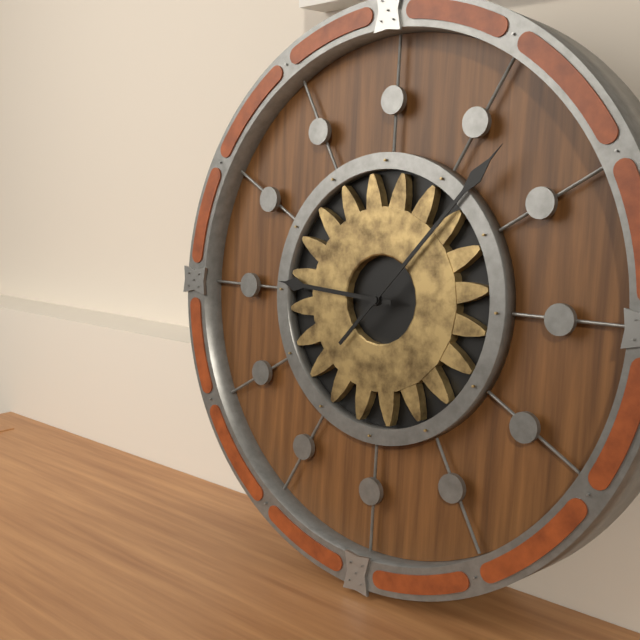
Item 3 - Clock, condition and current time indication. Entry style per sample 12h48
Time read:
9h07
